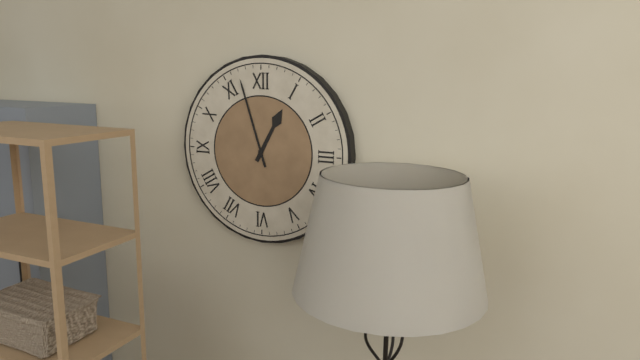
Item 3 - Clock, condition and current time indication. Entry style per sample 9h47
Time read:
12h57
